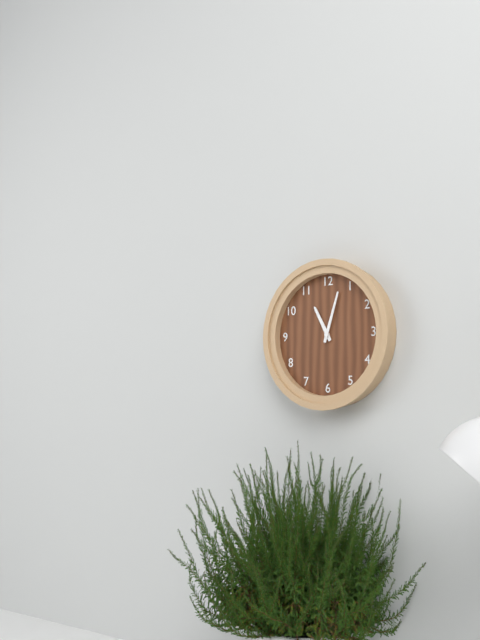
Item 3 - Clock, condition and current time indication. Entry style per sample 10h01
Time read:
11h03
